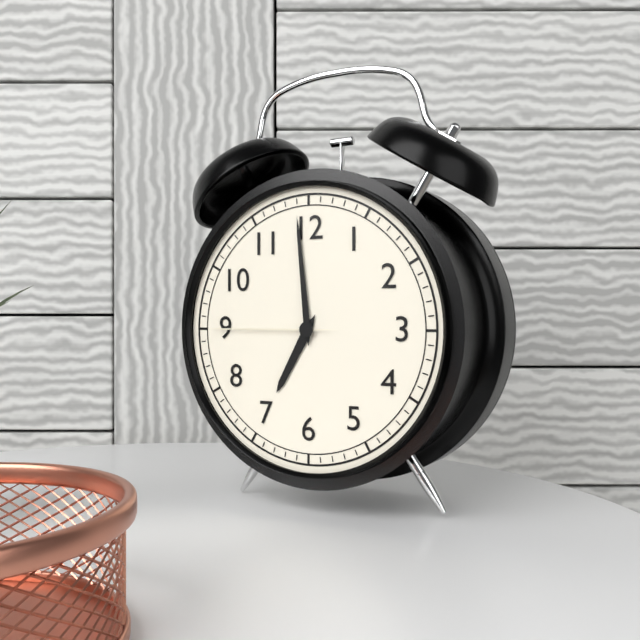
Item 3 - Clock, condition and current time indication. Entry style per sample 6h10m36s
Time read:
6h59m45s
